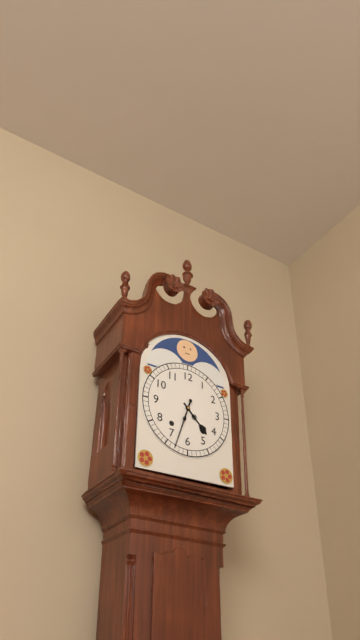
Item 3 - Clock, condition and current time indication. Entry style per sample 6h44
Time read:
4h33
